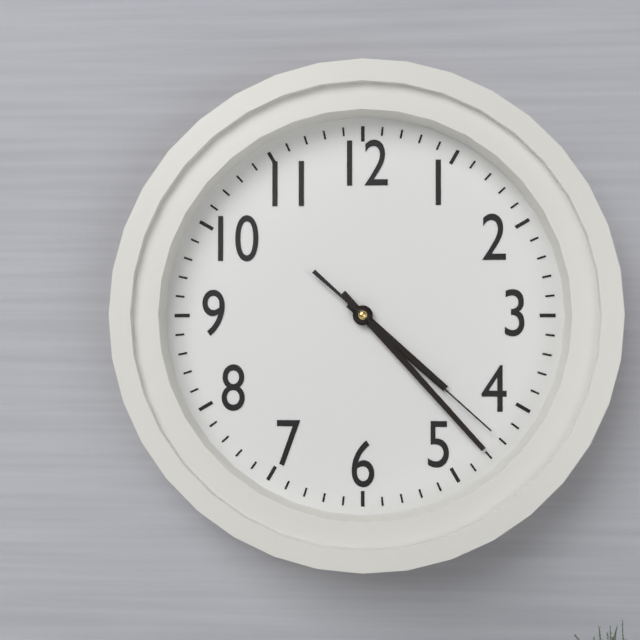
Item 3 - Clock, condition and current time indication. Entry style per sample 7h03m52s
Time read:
4h23m22s
